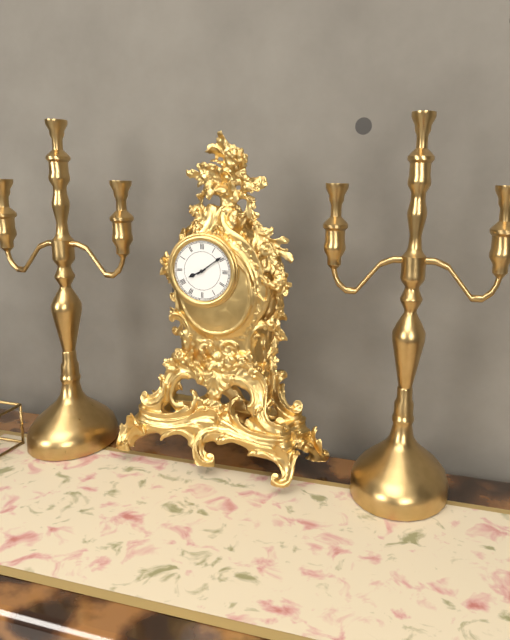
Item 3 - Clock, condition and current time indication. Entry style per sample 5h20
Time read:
8h09
